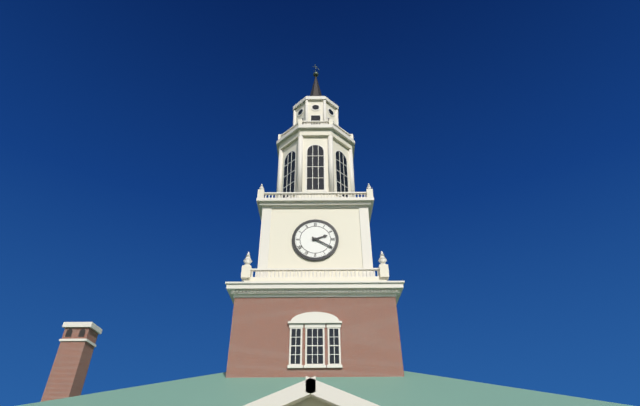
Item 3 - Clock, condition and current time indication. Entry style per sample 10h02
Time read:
2h20
